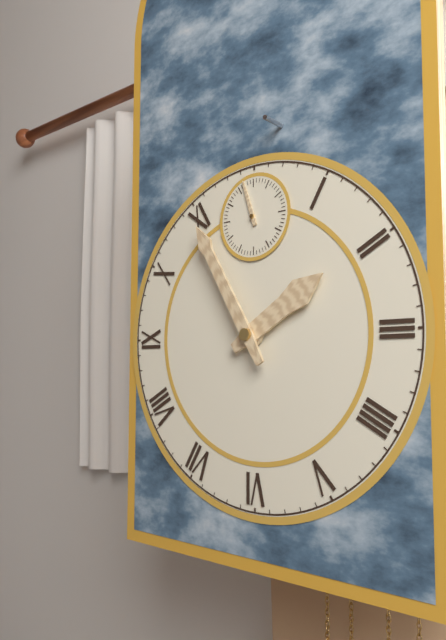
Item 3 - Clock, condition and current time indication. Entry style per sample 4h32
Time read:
1h55
